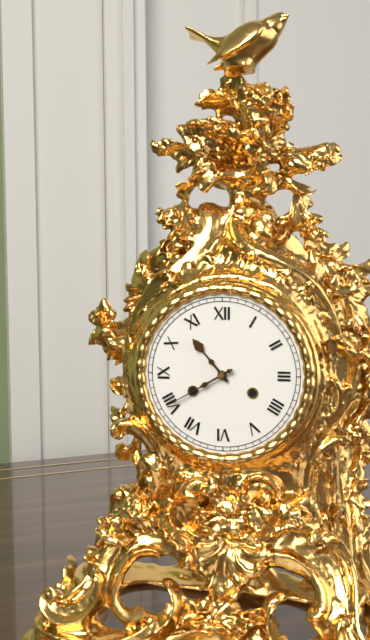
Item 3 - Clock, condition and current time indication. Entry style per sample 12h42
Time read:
10h40
